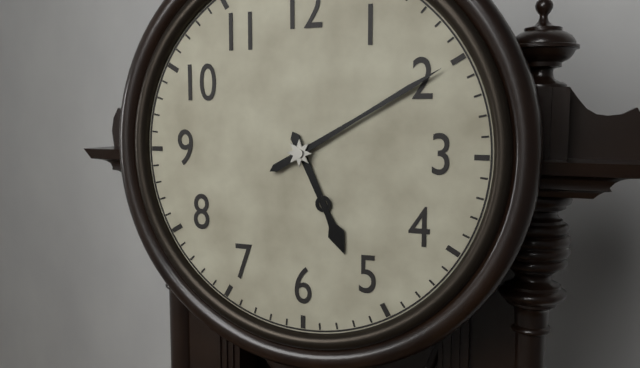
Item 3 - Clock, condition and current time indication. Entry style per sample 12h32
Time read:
5h10
